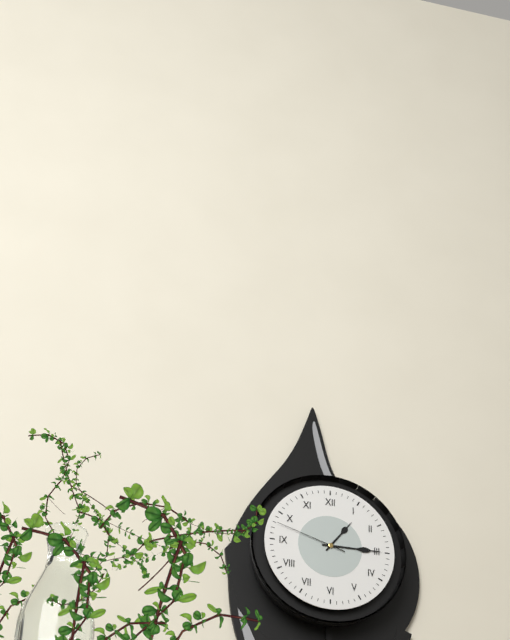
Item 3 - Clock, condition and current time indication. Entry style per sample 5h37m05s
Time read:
1h15m48s
